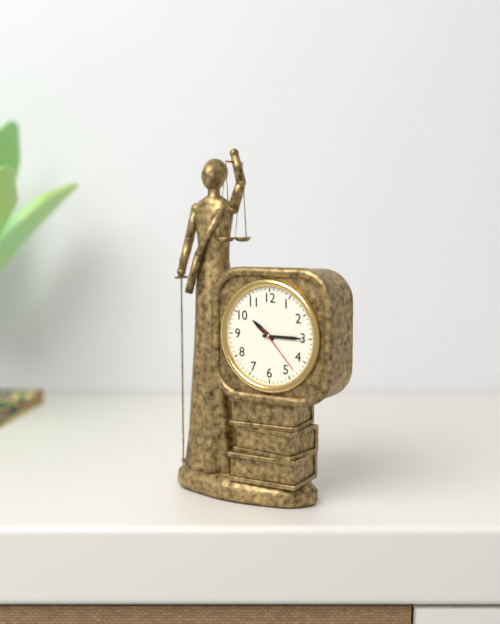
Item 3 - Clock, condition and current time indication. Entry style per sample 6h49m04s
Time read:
10h15m23s
